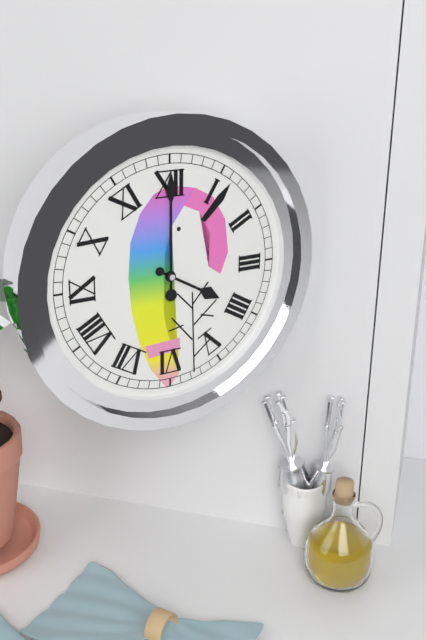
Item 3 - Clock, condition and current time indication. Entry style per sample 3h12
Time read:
4h00
